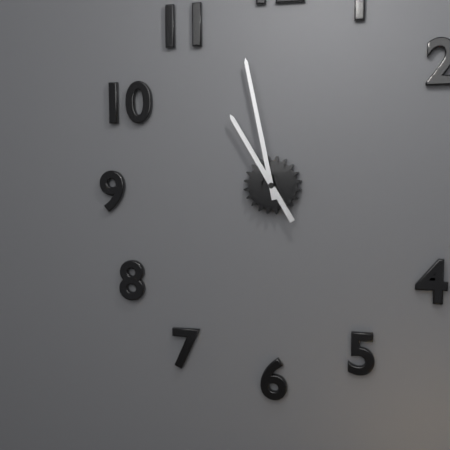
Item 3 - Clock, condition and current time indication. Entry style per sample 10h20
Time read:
10h58
